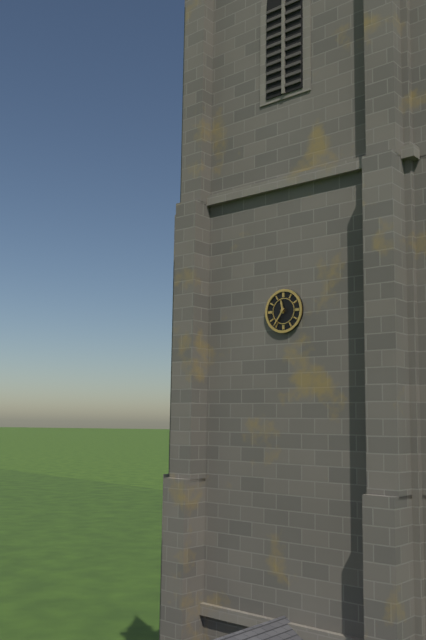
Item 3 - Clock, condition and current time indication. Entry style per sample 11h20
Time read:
11h36
